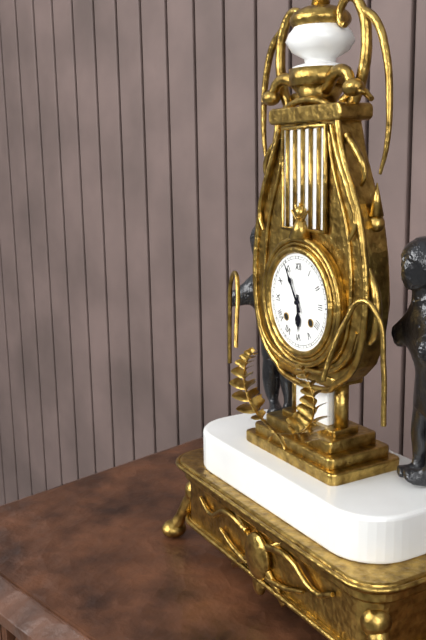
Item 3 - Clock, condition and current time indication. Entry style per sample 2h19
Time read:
5h55
